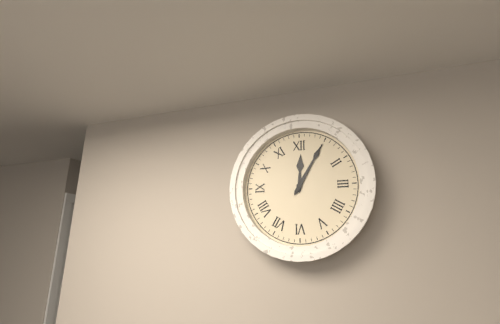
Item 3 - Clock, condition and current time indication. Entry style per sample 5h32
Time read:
12h05
